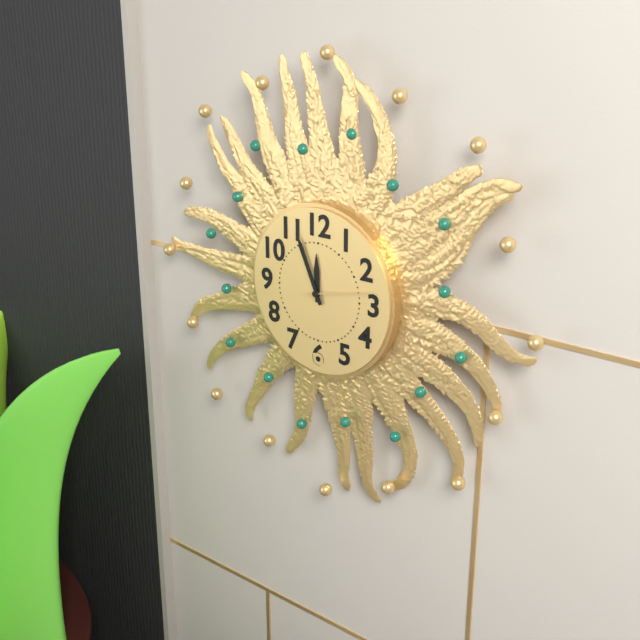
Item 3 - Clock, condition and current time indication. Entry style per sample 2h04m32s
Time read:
11h56m13s
